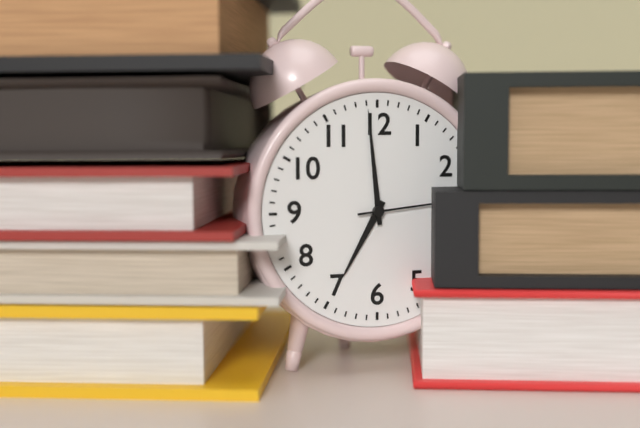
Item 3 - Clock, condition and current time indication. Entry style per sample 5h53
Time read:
6h59
